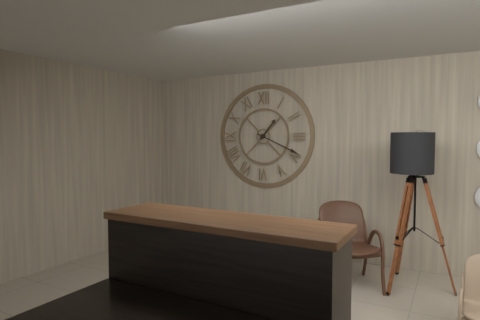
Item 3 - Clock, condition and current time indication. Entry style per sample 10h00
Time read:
1h19
